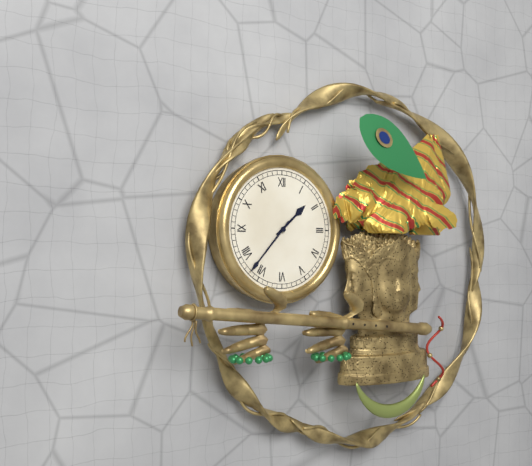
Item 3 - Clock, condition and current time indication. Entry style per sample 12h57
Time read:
1h37
